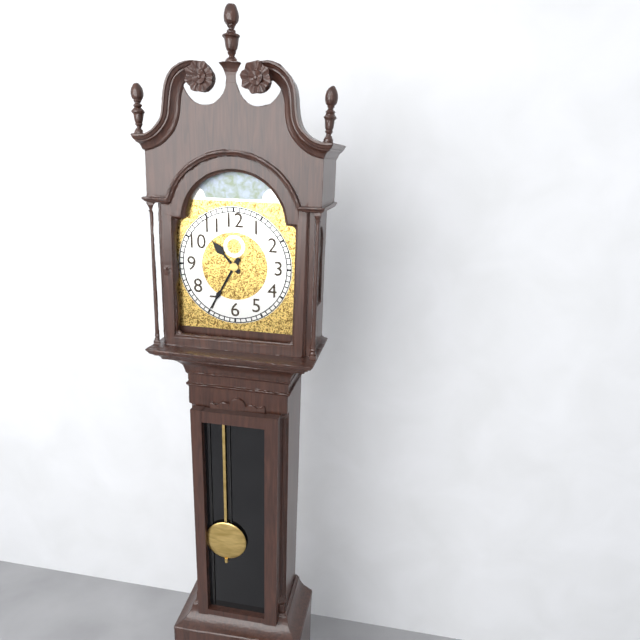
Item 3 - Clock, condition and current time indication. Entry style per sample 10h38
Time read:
10h35
